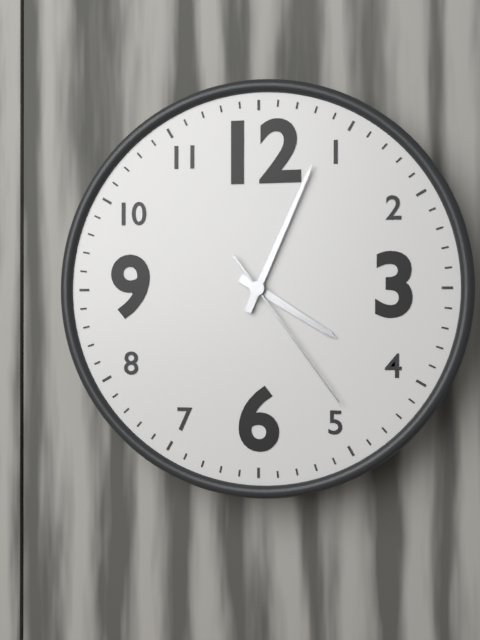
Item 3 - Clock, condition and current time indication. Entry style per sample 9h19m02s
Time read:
4h04m24s
